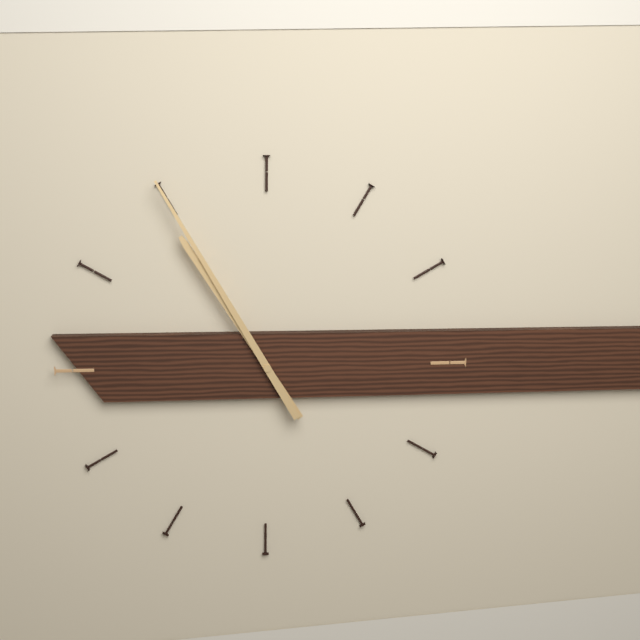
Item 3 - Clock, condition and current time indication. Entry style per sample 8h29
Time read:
10h55
